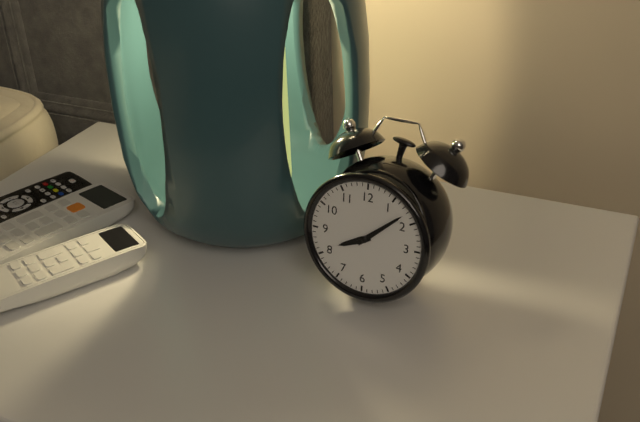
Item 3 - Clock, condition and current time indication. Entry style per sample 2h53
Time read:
8h08
